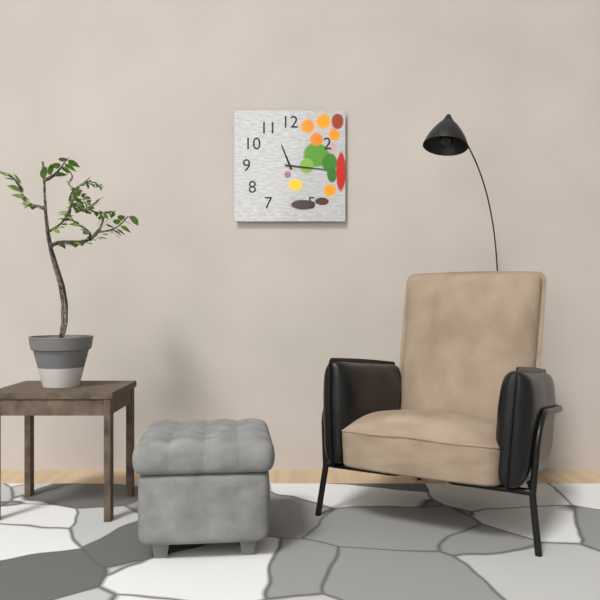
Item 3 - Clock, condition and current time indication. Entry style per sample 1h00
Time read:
11h16
